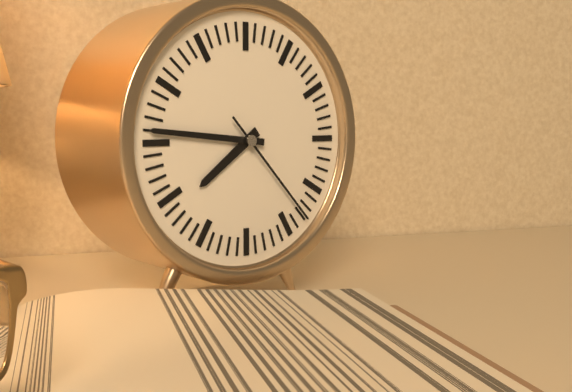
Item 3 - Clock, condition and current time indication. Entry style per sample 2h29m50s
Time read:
7h46m23s
